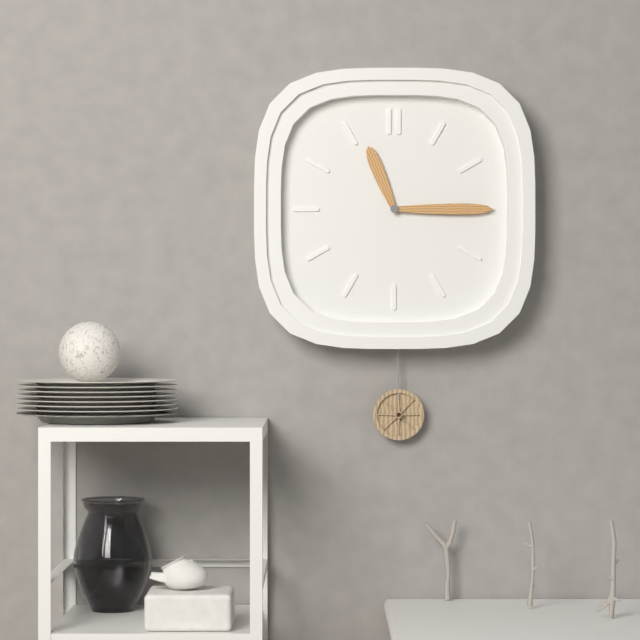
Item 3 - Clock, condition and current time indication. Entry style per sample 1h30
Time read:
11h15
